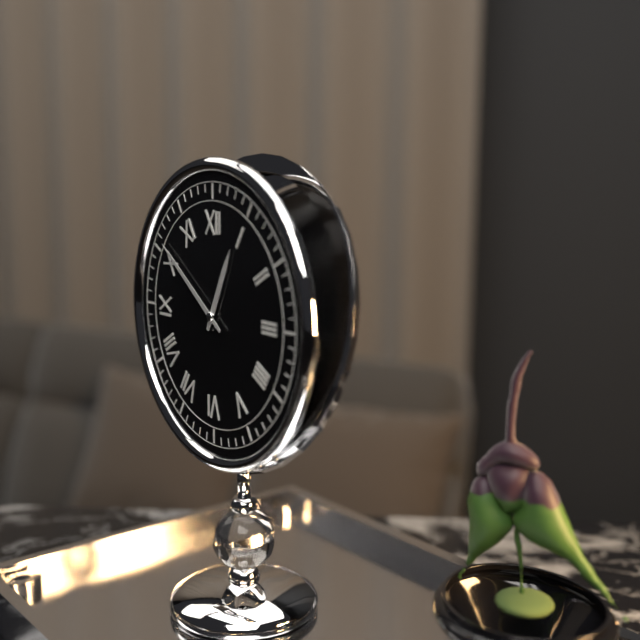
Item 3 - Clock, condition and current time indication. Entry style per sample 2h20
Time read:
12h51
